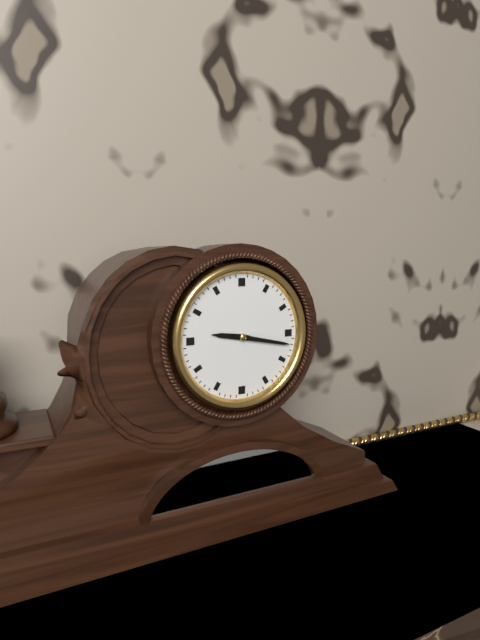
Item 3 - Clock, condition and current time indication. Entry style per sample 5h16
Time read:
9h17
